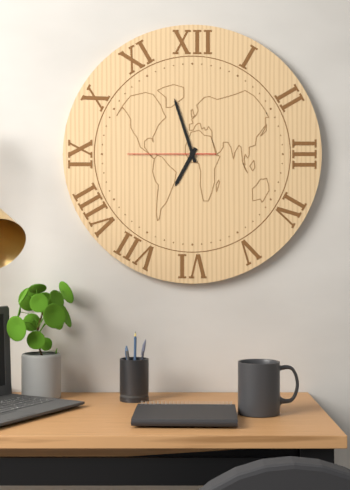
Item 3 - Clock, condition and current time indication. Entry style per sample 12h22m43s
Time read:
6h57m45s
